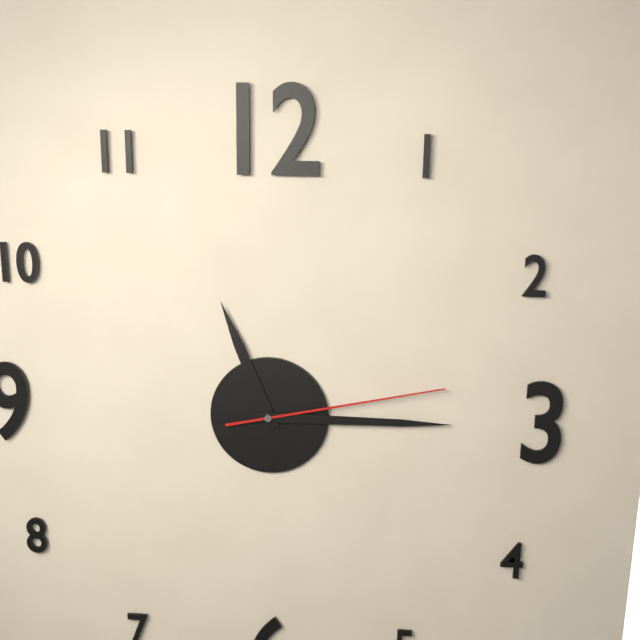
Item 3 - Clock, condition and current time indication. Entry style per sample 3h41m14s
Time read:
11h15m13s
